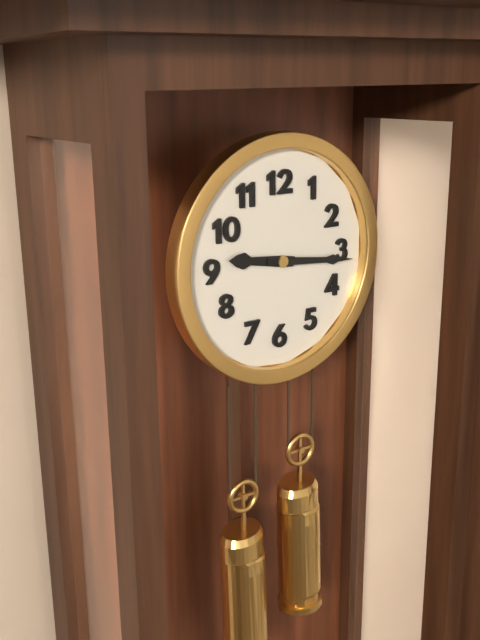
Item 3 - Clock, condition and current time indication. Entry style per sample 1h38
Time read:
9h16
